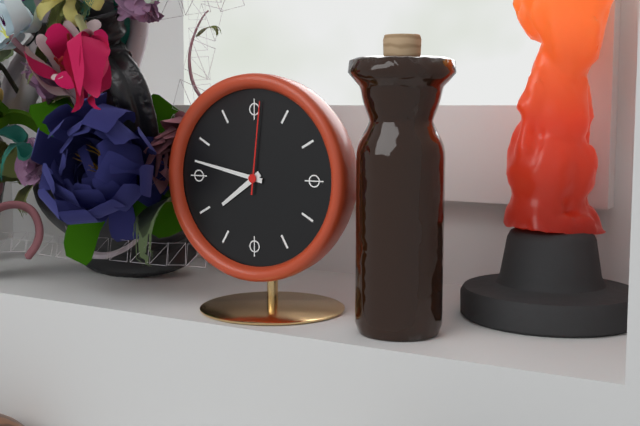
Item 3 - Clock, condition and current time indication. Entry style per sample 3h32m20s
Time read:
7h47m01s
